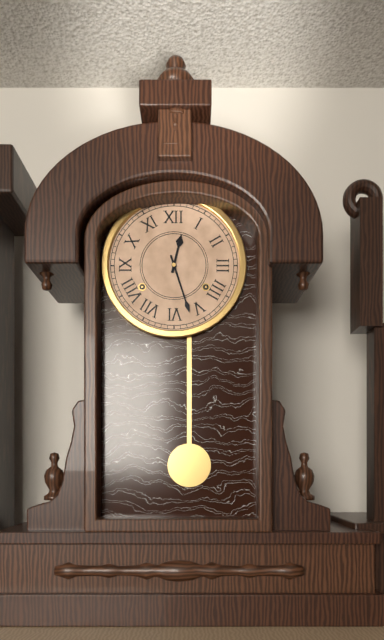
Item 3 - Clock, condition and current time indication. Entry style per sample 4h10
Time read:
12h27
